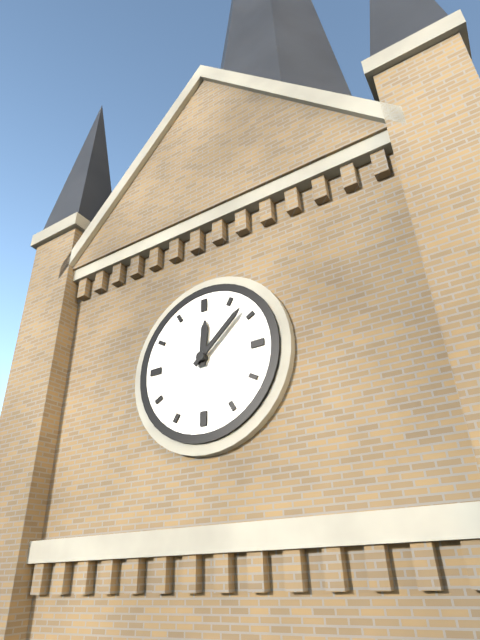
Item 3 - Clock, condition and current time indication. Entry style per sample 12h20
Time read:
12h08
